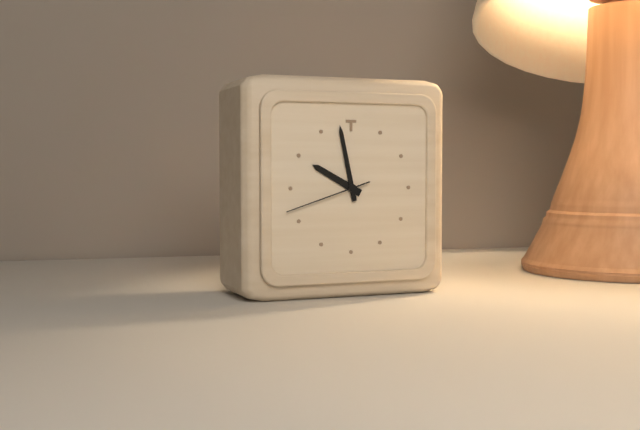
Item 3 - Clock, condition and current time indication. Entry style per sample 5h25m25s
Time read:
9h58m42s
